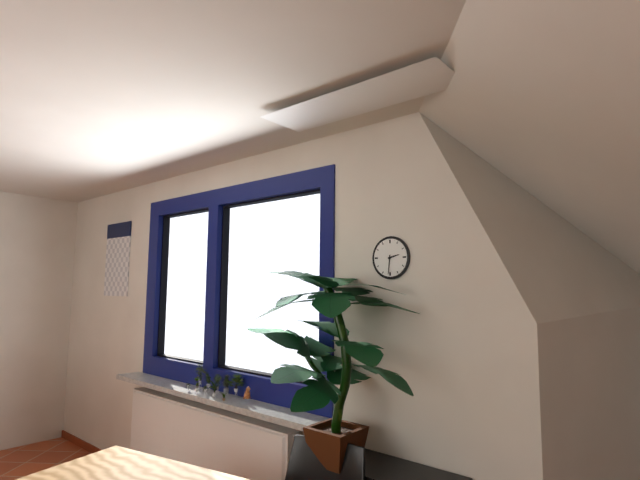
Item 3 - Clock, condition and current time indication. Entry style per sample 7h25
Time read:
2h31
